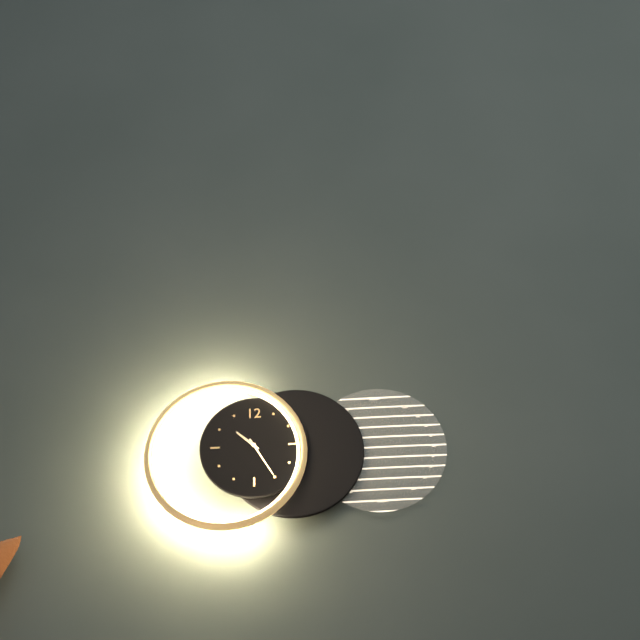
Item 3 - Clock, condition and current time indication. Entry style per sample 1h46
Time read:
10h25
